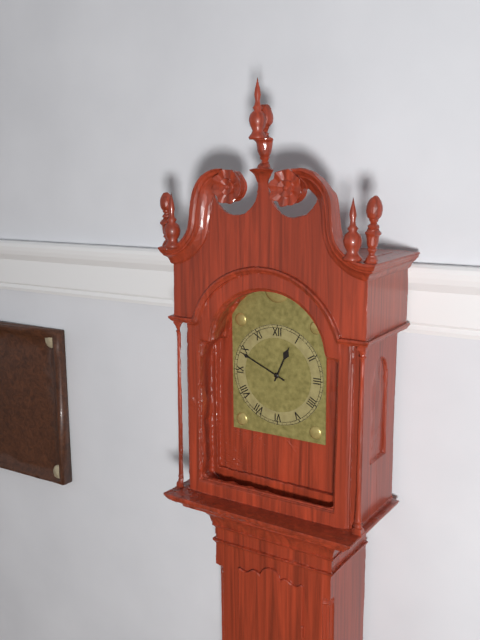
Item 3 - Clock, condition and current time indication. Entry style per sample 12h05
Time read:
12h49
